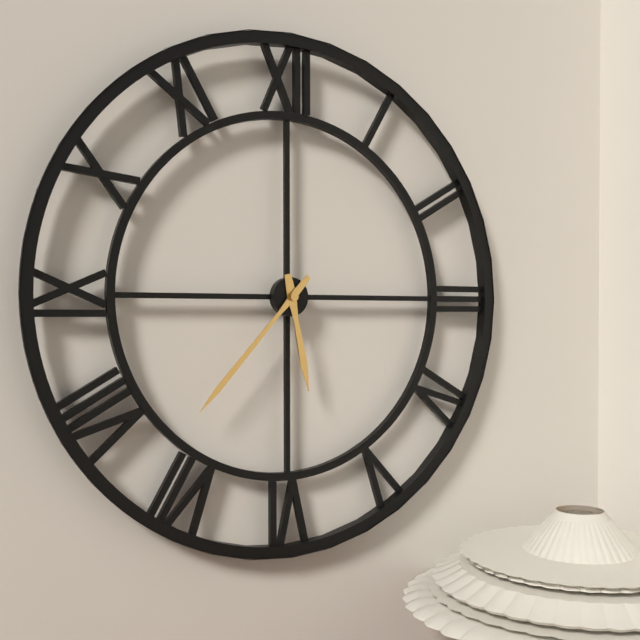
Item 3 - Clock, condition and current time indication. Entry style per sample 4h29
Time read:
5h37
